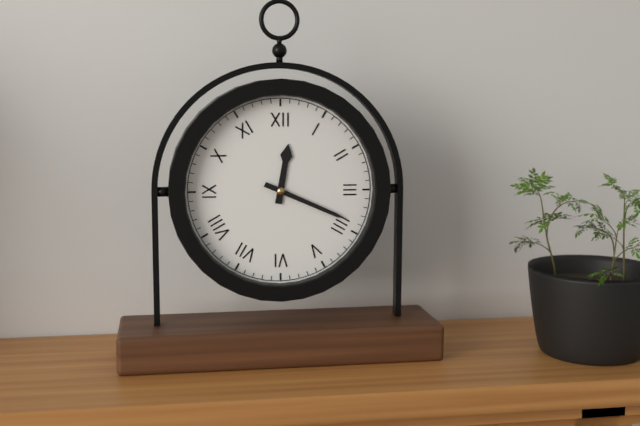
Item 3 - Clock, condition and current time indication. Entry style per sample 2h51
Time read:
12h19
